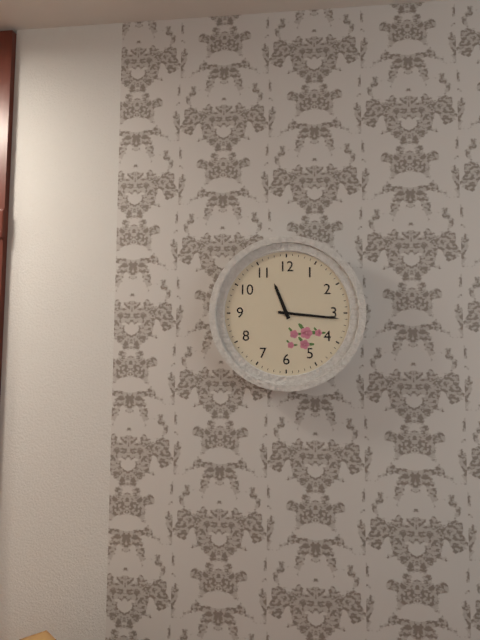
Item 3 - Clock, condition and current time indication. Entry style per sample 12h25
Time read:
11h16
